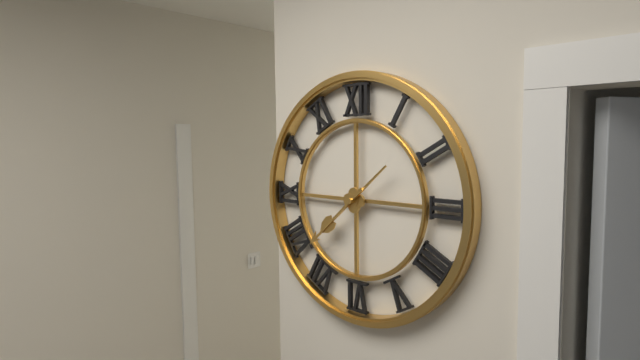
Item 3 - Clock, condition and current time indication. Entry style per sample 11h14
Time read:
7h38
